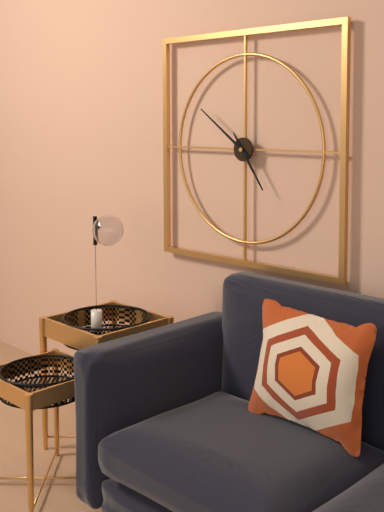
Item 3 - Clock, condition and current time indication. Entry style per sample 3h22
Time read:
4h51
